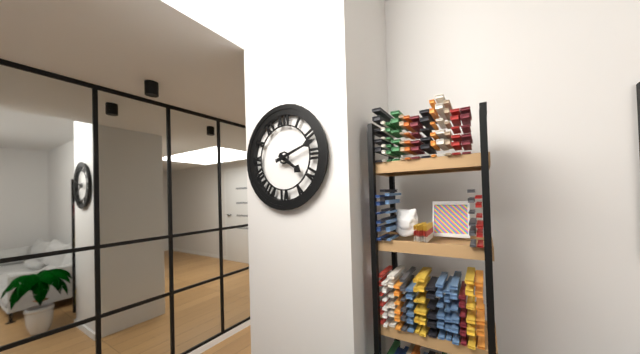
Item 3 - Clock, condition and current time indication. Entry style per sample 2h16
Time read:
4h12
